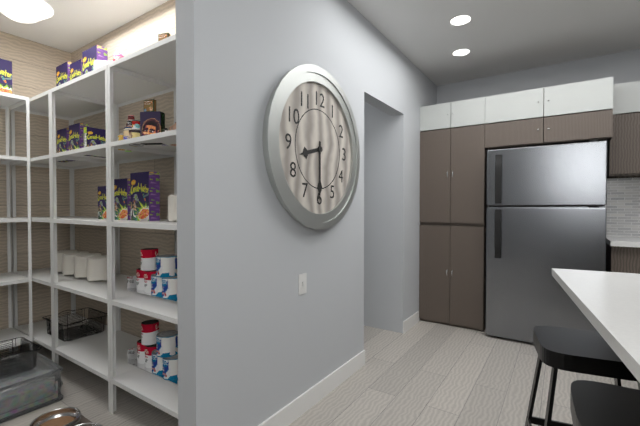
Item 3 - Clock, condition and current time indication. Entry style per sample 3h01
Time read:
8h30
